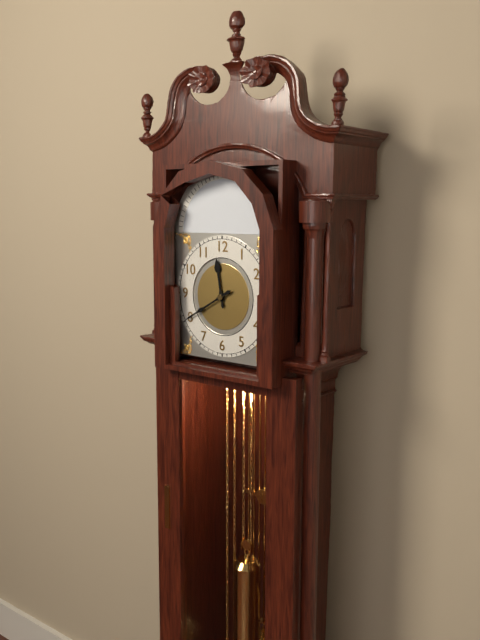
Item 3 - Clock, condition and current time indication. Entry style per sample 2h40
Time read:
11h40
